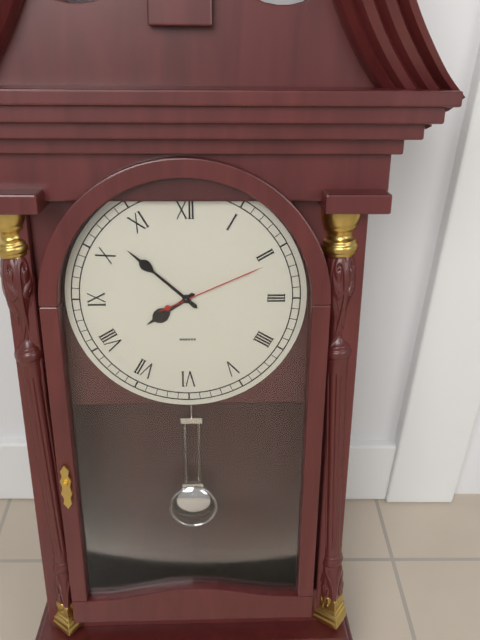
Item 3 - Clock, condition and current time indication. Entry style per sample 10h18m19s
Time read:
7h52m11s
